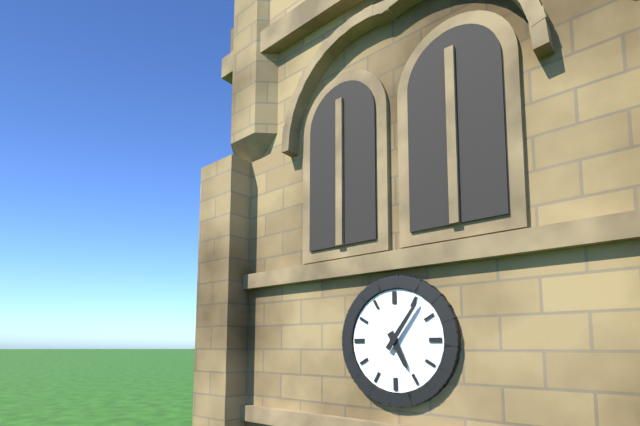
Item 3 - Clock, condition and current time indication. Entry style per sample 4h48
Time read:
5h06
